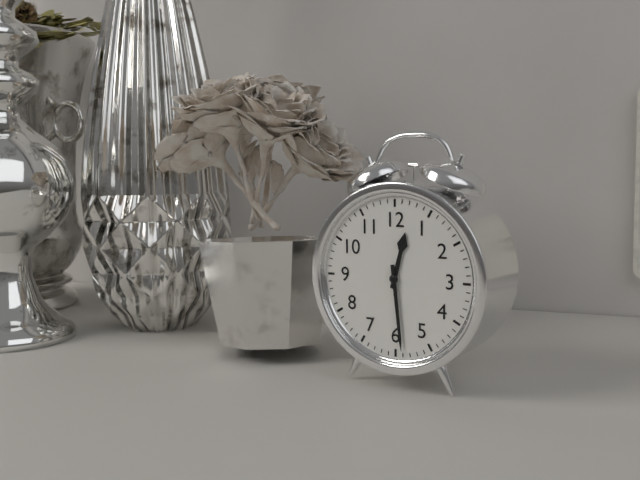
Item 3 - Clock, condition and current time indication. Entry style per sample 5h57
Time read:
12h29
